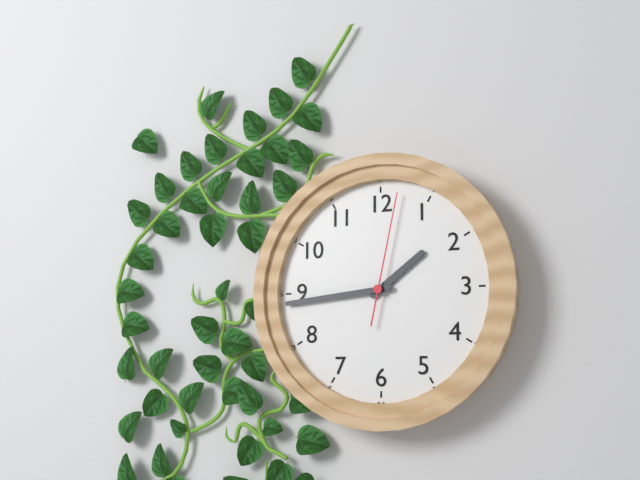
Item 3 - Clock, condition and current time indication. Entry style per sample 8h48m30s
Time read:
1h44m02s
